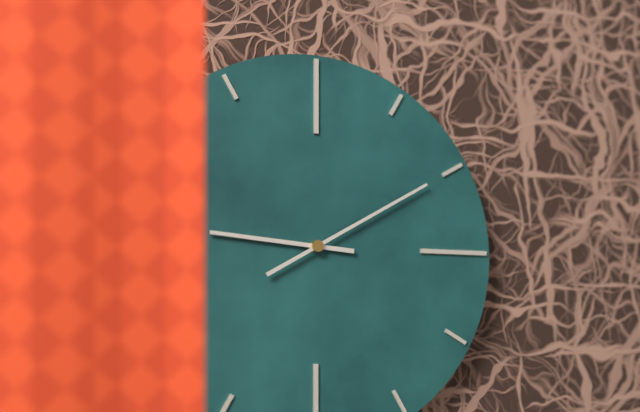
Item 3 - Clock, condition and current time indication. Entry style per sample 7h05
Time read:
9h10
